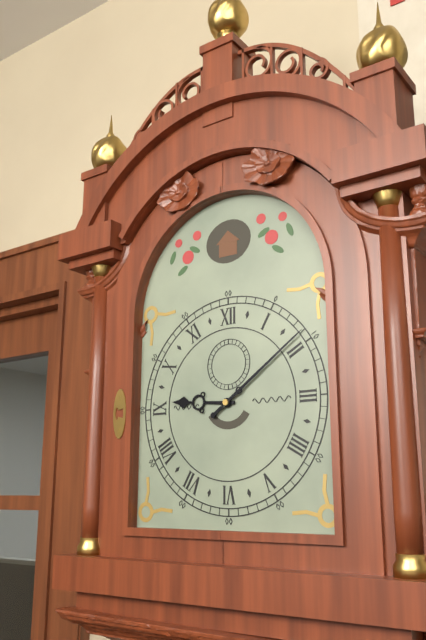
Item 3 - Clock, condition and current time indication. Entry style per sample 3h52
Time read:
9h09
